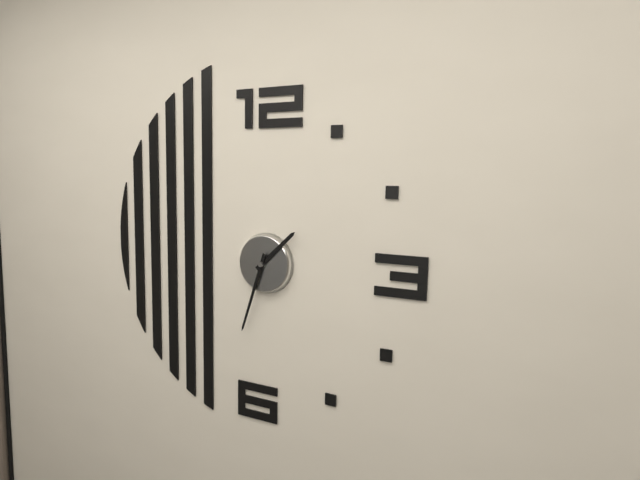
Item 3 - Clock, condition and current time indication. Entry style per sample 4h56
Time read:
1h33
